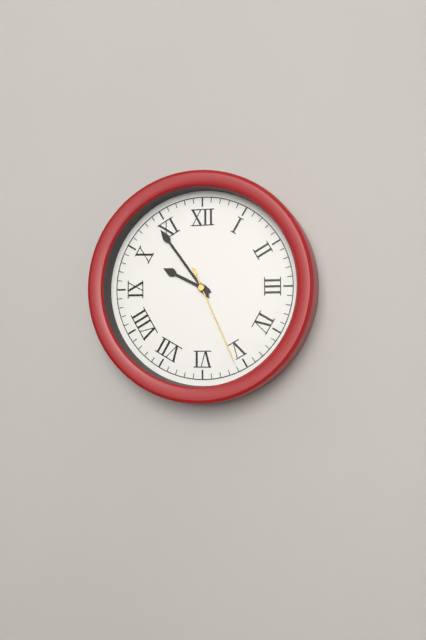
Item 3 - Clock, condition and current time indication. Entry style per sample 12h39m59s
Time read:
9h54m26s
